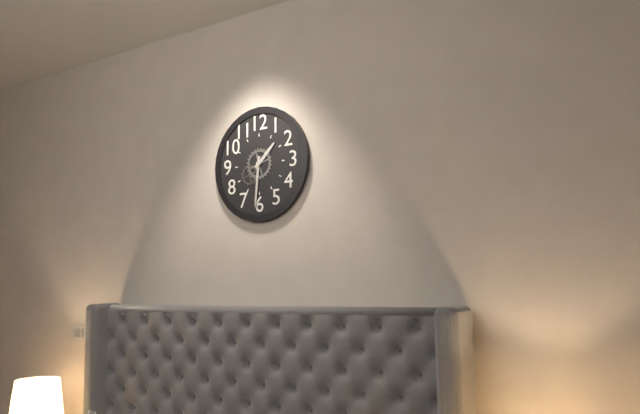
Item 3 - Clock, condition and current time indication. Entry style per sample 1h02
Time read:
1h31
